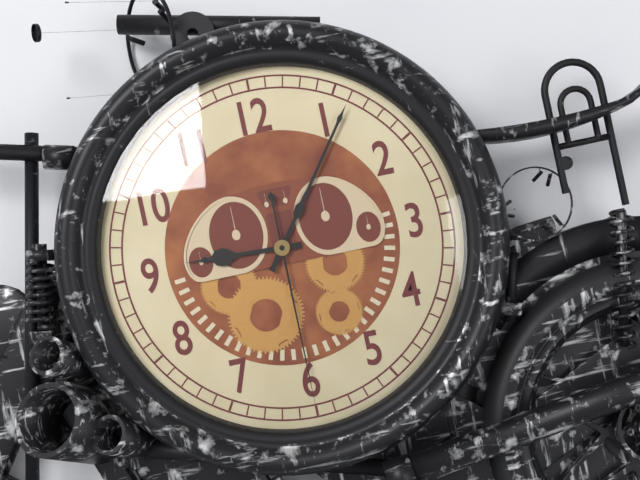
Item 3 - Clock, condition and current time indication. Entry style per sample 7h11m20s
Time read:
9h06m30s
